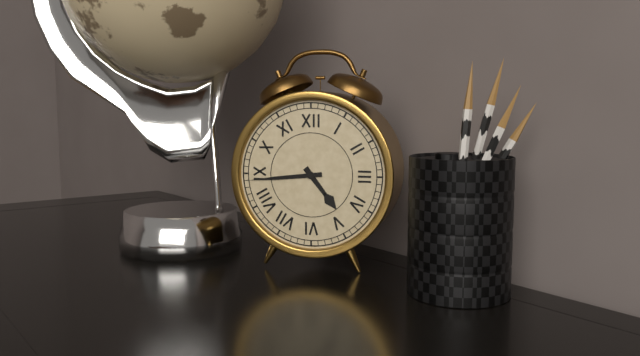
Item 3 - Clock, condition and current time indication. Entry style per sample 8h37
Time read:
4h44
